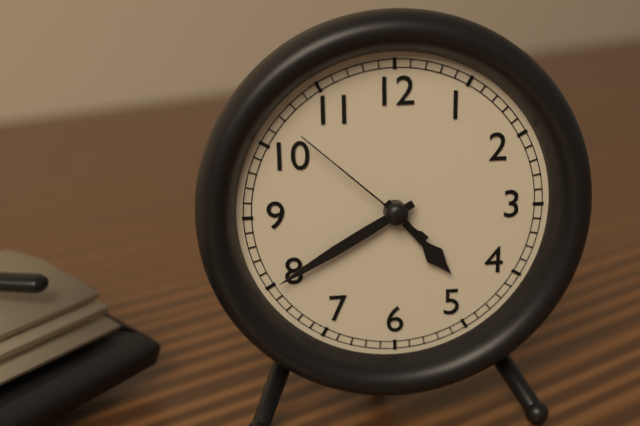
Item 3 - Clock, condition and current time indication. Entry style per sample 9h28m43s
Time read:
4h40m52s
